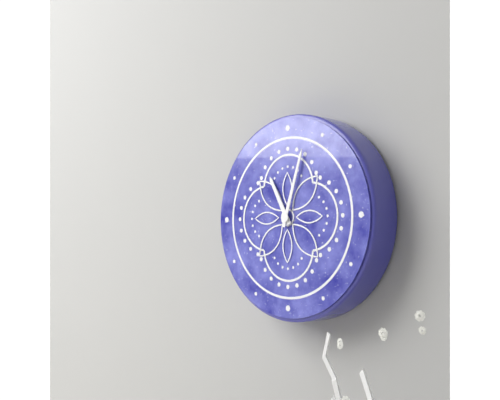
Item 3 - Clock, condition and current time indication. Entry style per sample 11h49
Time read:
11h03
